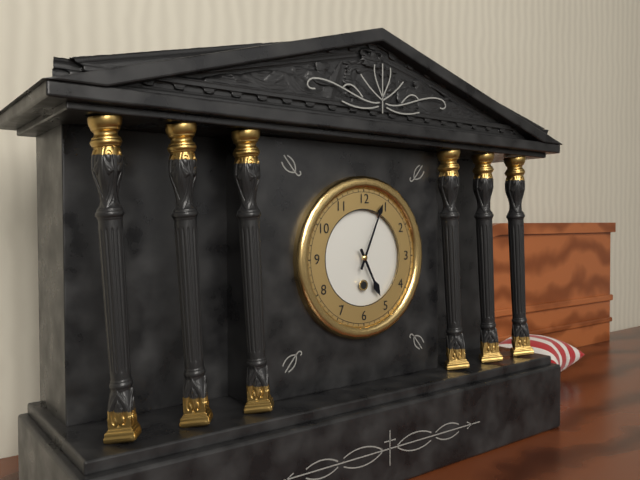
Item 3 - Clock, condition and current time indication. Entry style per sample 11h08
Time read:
5h04
